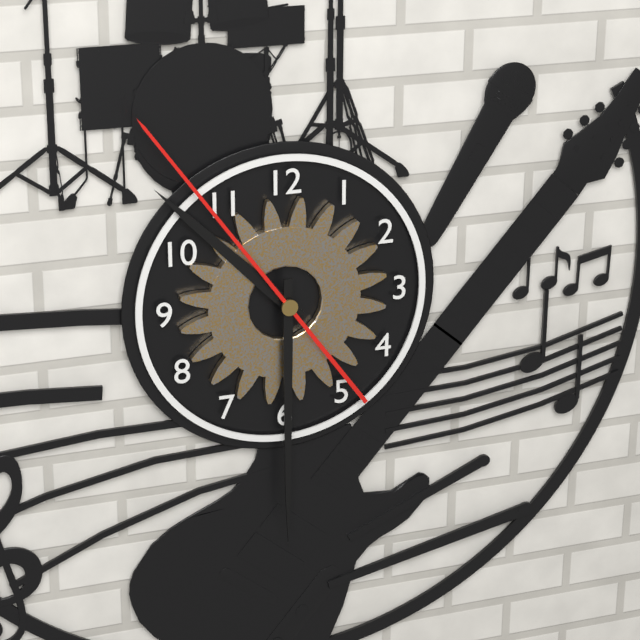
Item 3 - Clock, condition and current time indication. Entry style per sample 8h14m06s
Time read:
10h30m54s
